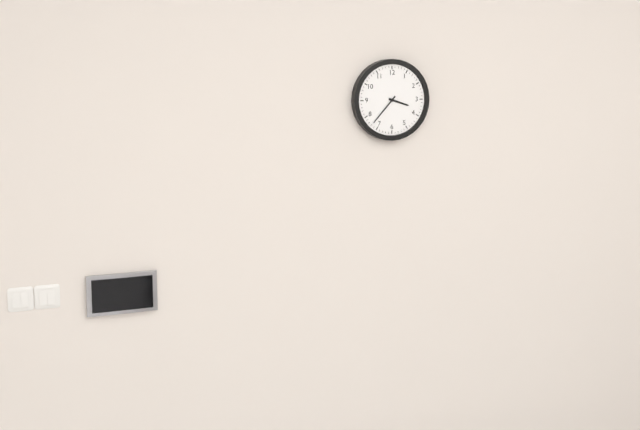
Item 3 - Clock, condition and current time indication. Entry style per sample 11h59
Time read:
3h37
